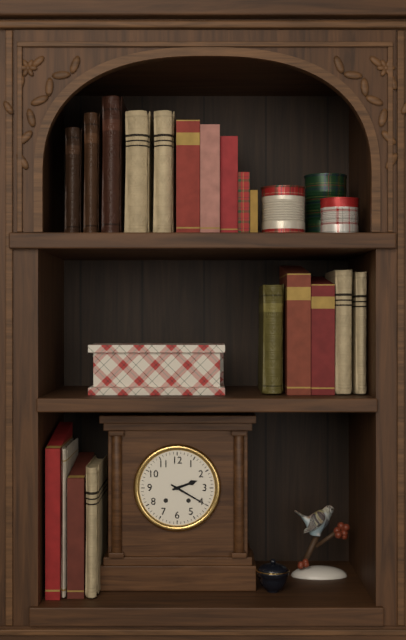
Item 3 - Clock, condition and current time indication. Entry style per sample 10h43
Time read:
2h20
